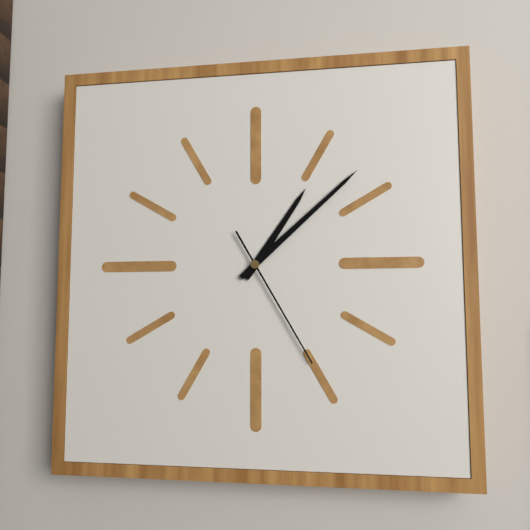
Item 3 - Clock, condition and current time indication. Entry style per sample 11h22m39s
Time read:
1h08m25s
